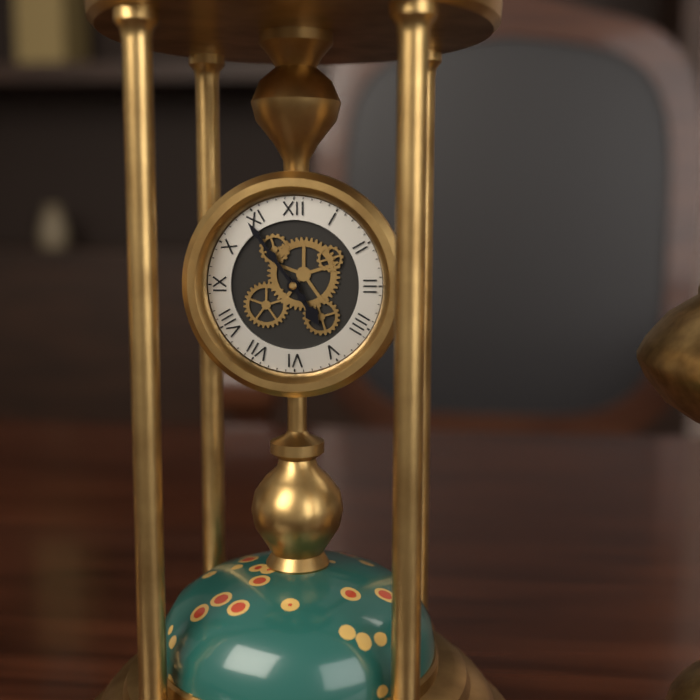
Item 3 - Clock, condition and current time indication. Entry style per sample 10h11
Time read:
4h54
